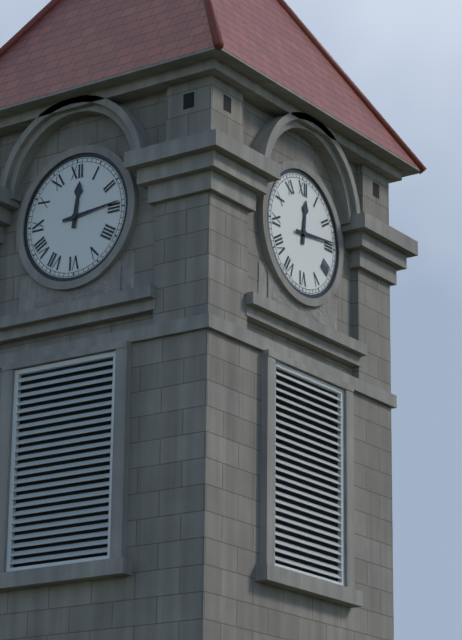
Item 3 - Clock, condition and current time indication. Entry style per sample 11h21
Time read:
12h14
